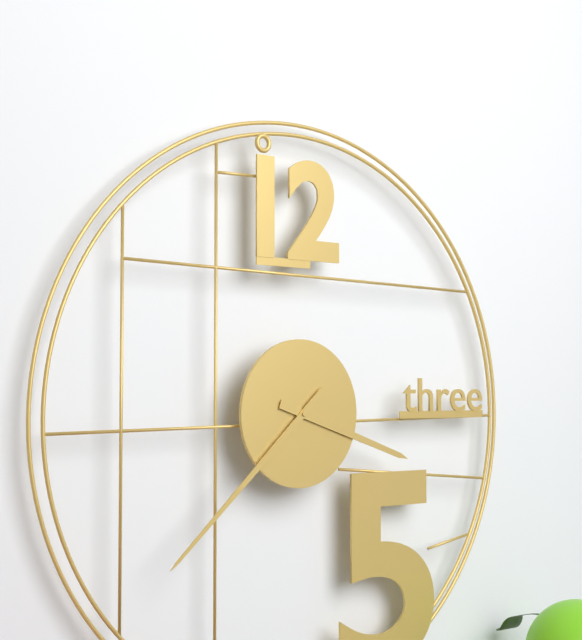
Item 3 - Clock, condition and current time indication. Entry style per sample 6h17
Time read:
3h38
